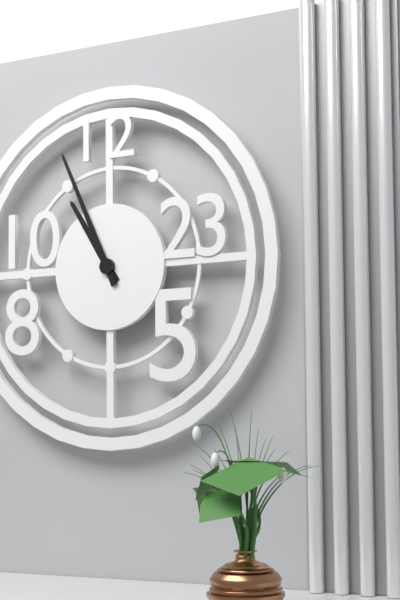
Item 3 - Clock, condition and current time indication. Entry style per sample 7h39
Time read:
10h56
